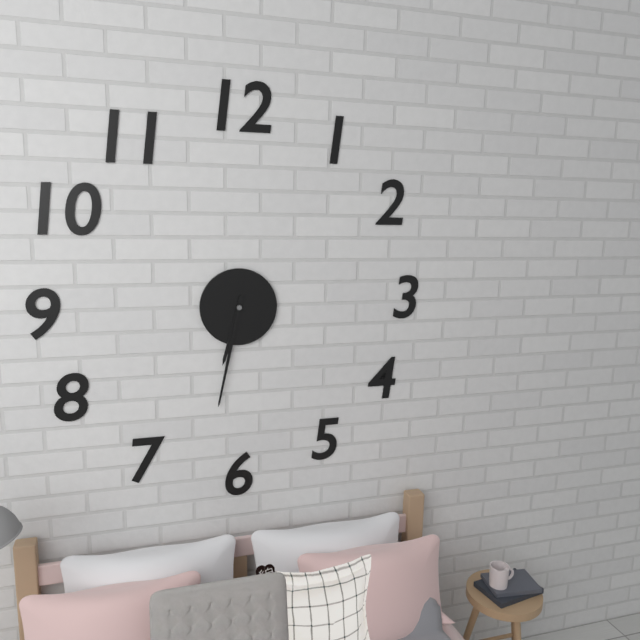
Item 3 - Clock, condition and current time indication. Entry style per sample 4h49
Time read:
6h32
